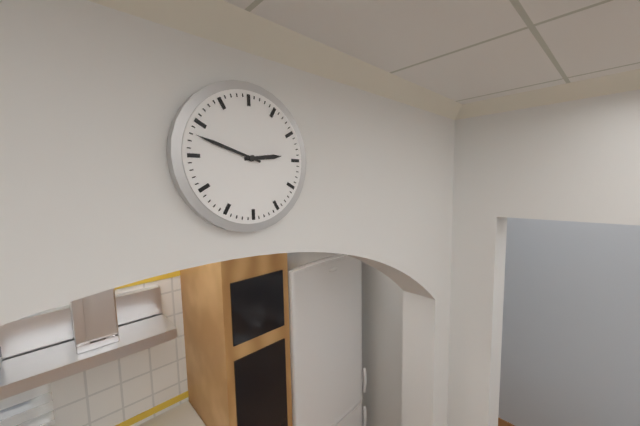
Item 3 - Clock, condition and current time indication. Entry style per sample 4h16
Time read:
2h48
